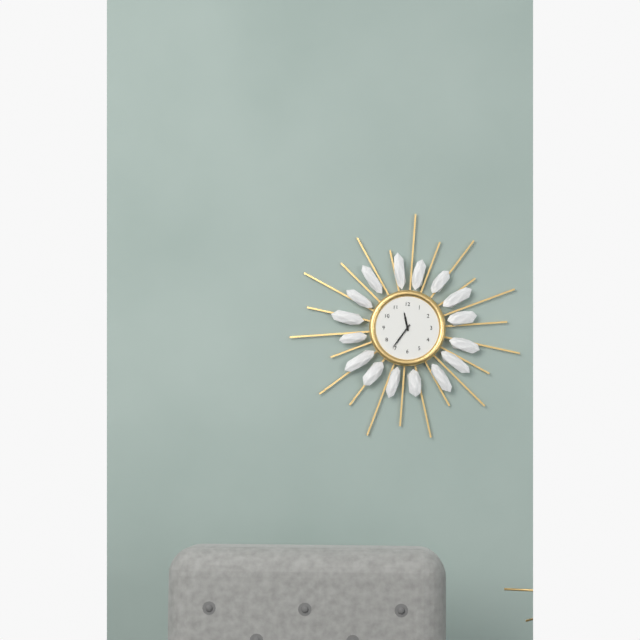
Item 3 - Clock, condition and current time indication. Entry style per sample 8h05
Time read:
11h36
